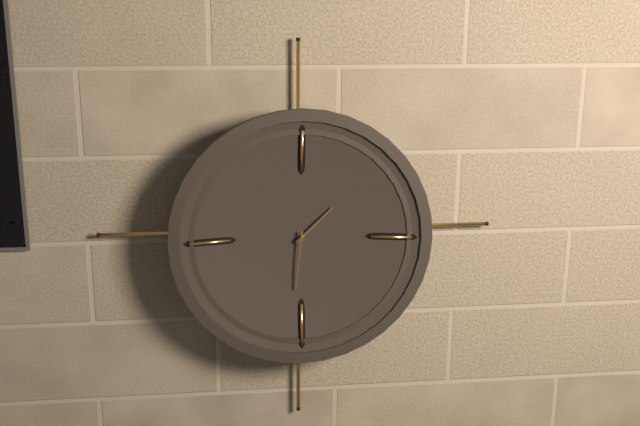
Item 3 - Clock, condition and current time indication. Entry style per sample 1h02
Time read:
1h31
